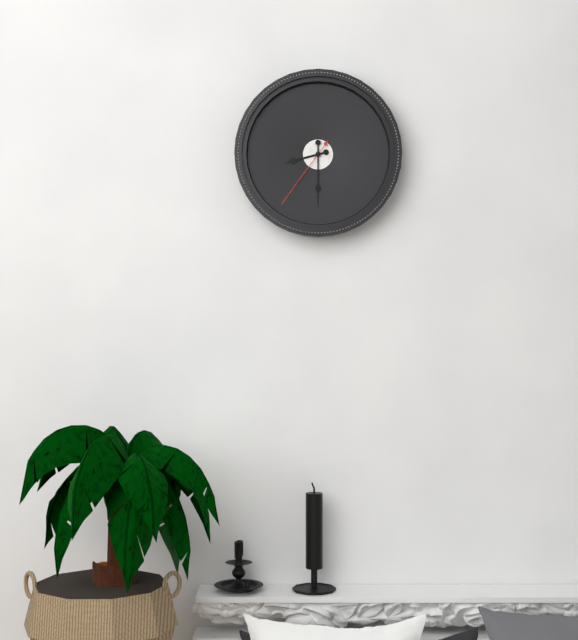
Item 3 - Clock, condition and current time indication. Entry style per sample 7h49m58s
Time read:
8h30m36s
